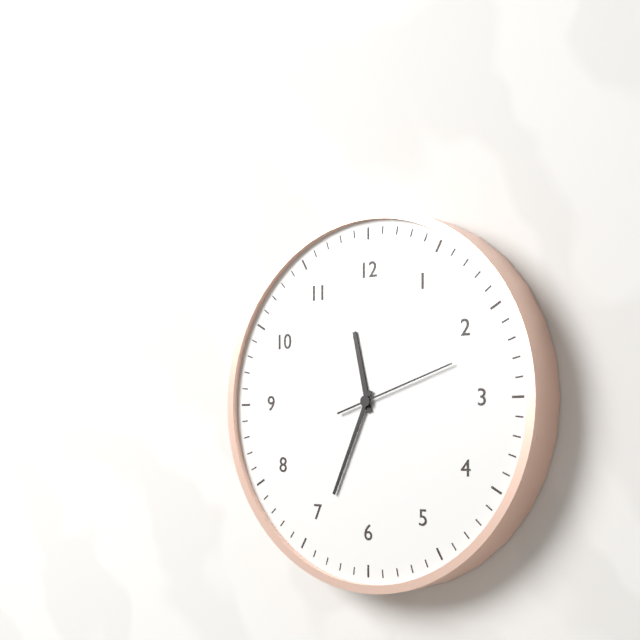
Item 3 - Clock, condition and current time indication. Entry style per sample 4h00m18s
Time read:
11h34m12s
